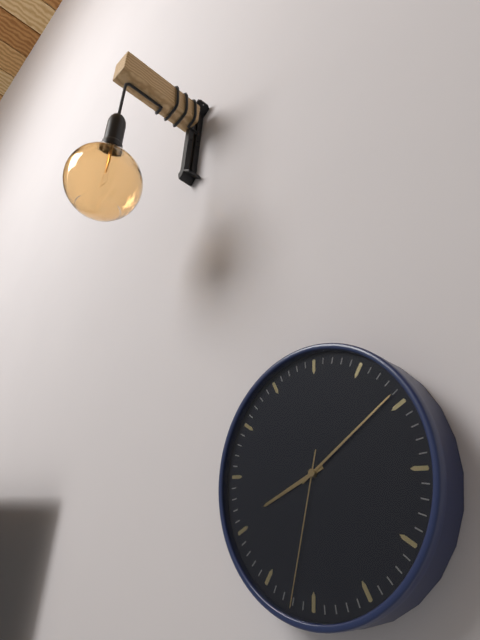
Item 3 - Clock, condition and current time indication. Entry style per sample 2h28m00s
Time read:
8h09m32s
